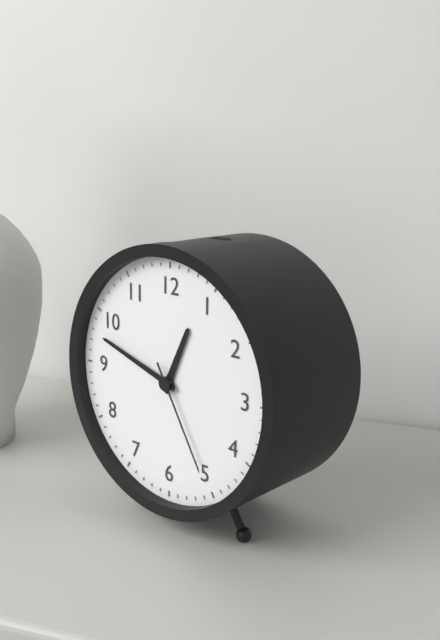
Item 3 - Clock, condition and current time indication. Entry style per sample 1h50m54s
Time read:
12h48m25s
